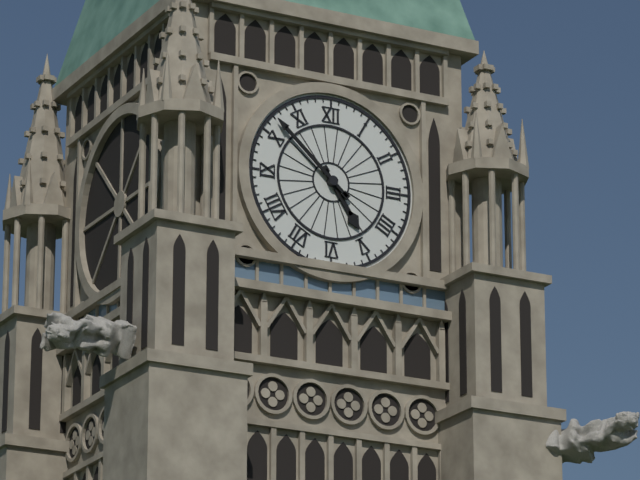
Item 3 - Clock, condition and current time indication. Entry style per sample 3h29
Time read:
4h52
